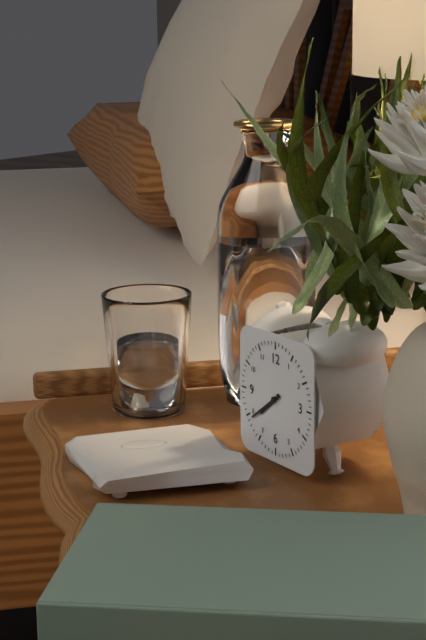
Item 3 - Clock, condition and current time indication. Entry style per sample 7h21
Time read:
7h39
